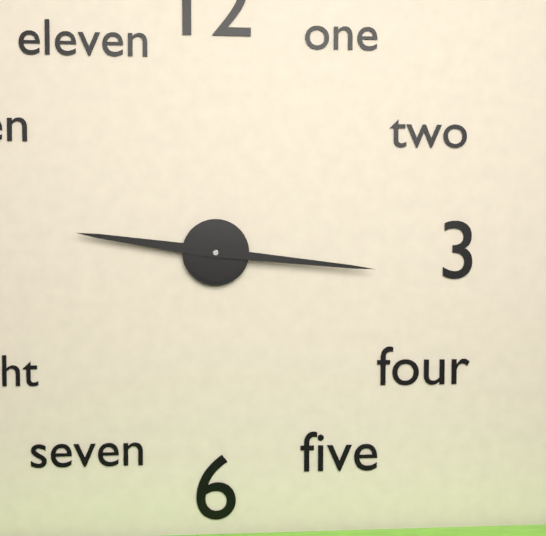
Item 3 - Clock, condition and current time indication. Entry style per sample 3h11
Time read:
9h16
